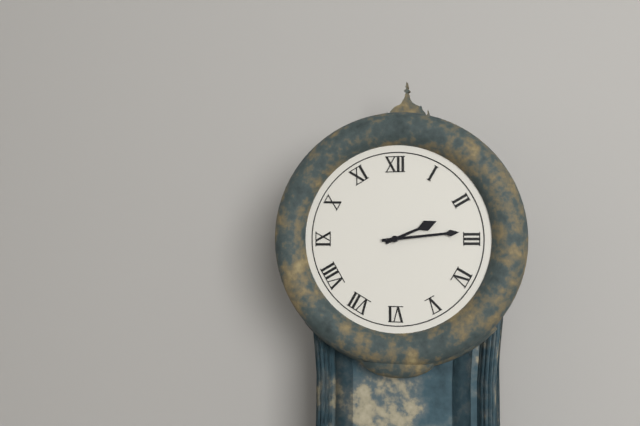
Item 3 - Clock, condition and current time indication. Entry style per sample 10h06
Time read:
2h14
